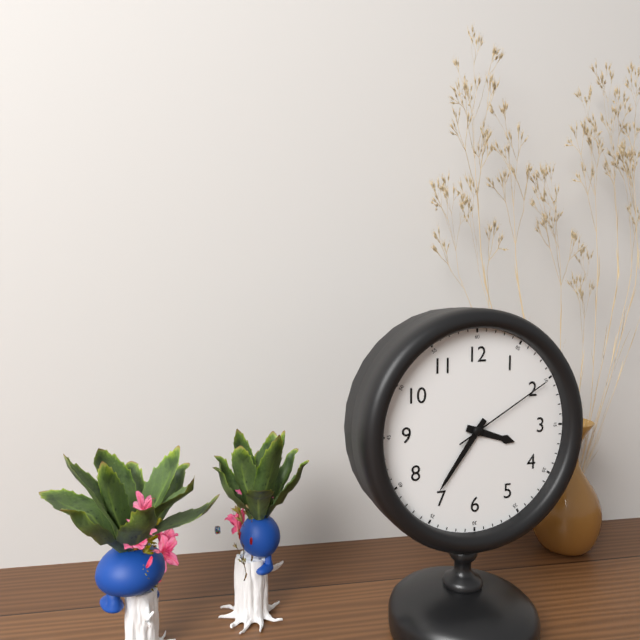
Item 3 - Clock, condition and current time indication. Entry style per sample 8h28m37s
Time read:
3h36m10s
